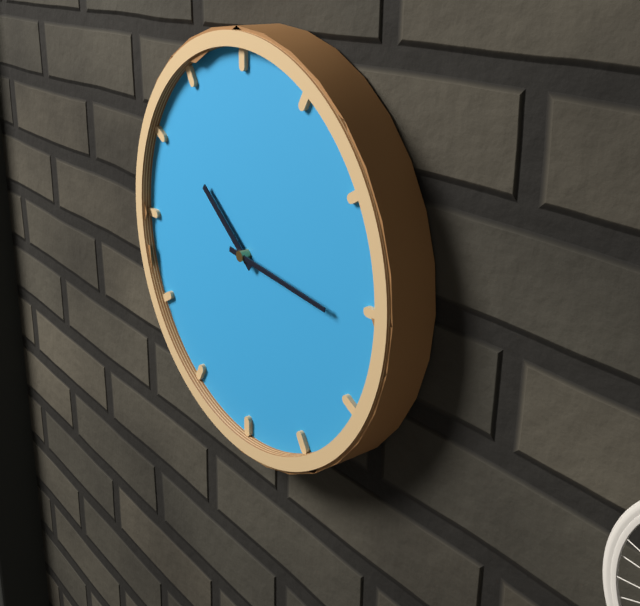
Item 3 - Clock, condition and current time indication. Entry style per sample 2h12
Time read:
10h16
